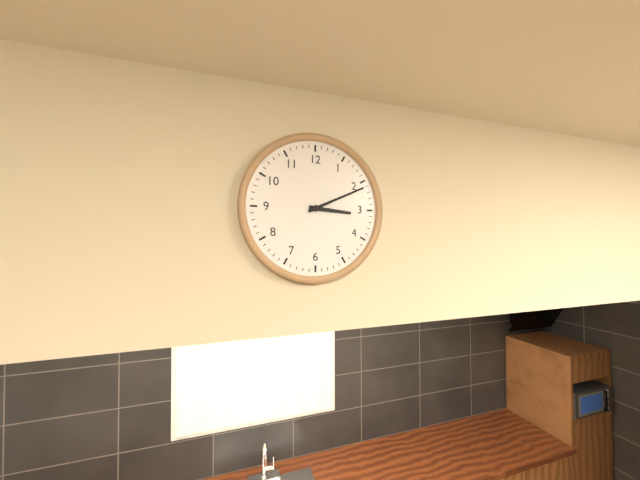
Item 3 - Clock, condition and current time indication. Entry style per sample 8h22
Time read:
3h11
